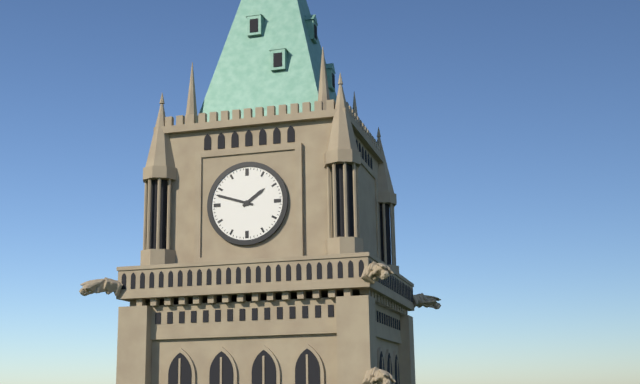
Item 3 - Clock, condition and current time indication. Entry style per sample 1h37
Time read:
1h48
